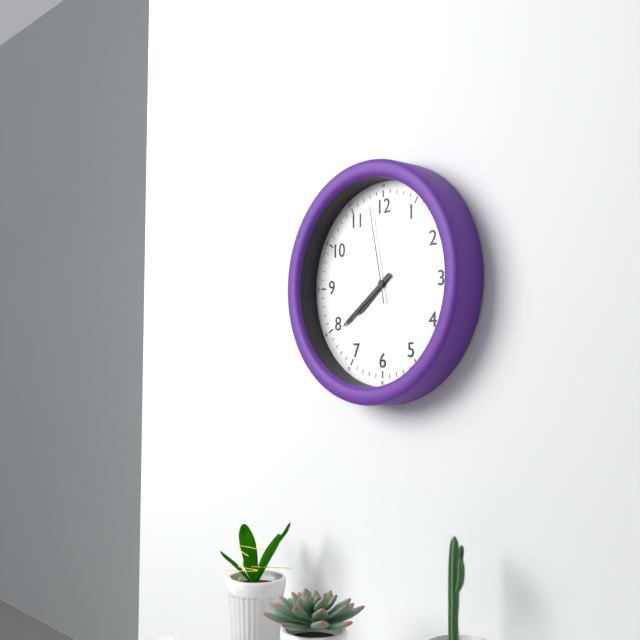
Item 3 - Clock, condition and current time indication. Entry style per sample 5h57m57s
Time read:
7h39m58s
